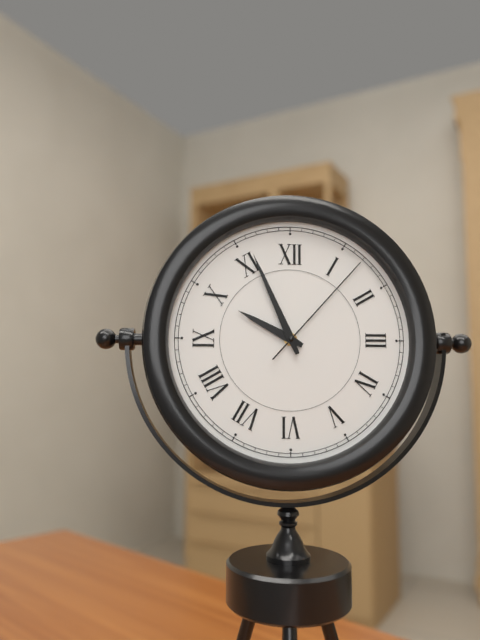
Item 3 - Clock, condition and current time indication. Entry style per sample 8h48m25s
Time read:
9h56m07s
